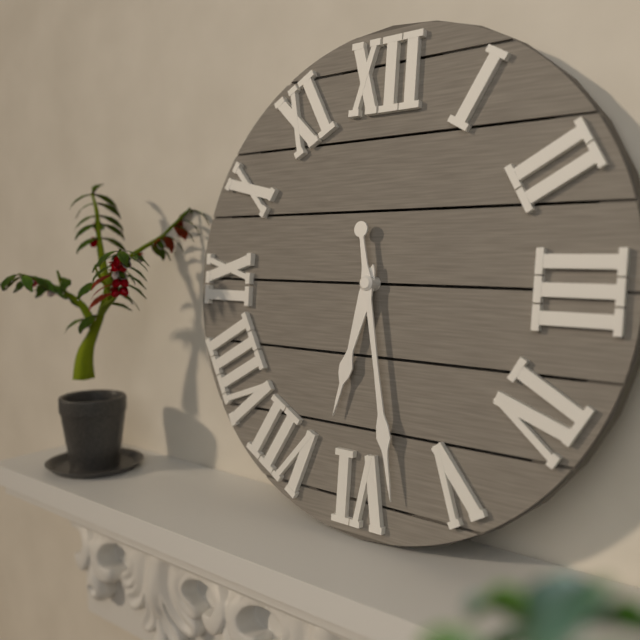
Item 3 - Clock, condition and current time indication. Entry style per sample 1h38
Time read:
6h28
